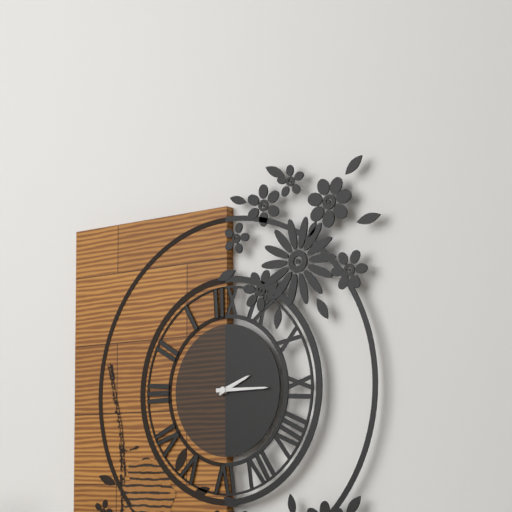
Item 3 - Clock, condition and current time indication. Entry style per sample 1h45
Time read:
2h15
